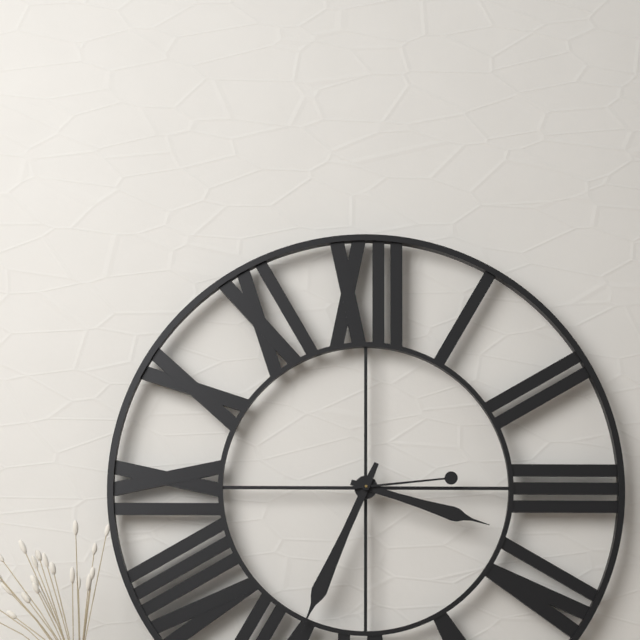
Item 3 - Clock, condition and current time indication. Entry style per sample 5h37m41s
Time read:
3h34m14s
